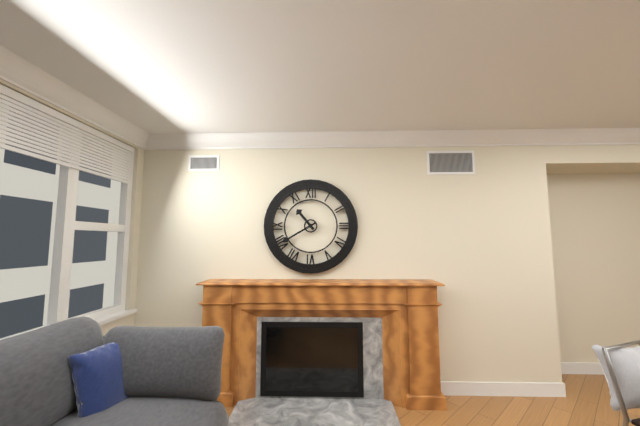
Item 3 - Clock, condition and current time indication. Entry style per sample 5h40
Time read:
10h40
